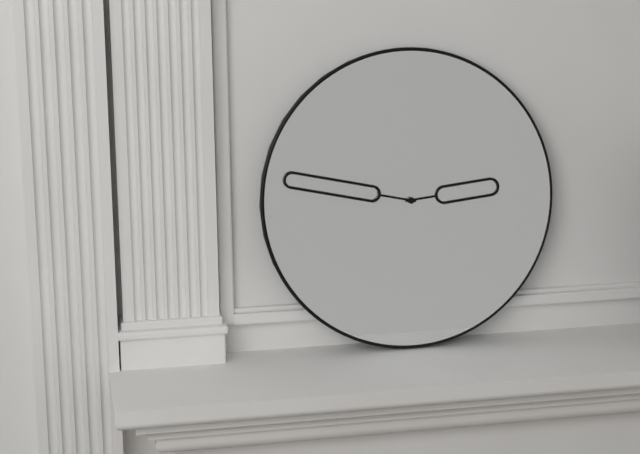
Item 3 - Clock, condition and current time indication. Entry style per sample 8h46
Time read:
2h47
